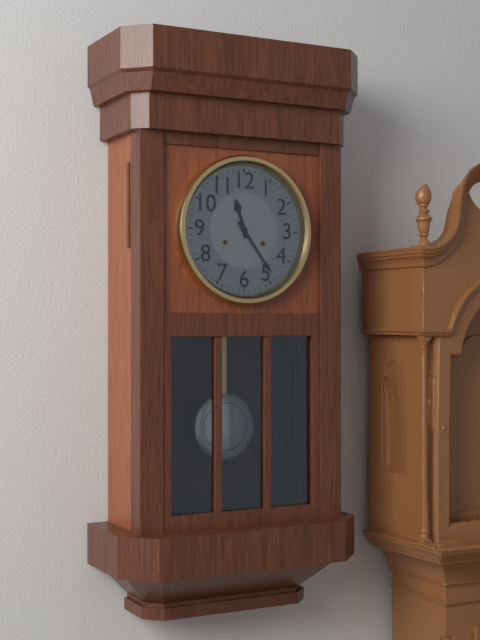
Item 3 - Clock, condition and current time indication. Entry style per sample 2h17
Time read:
11h24
